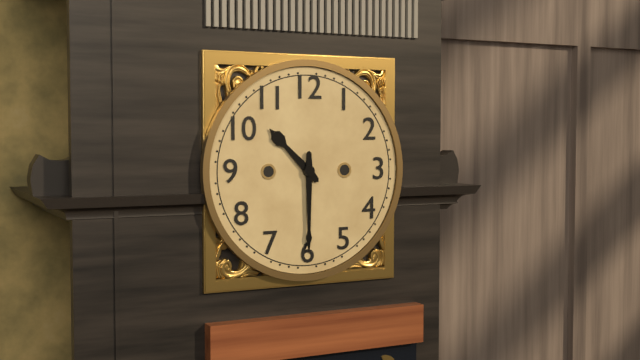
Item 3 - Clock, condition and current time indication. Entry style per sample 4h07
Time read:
10h30
